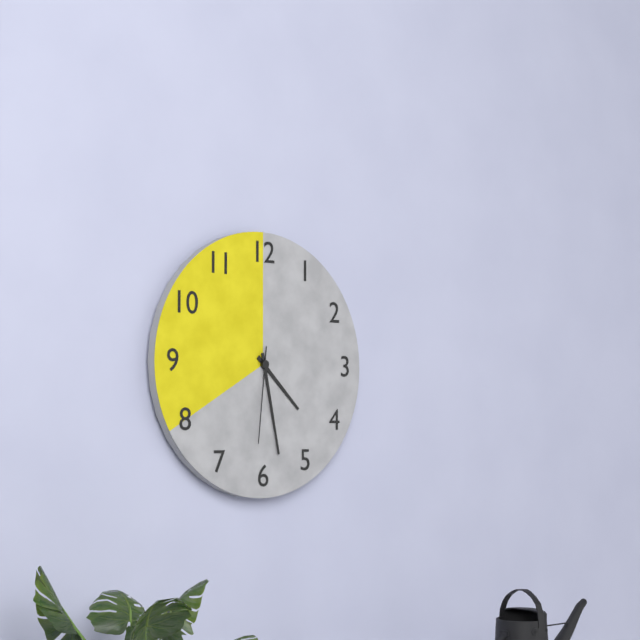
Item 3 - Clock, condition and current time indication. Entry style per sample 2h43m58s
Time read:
4h28m31s
